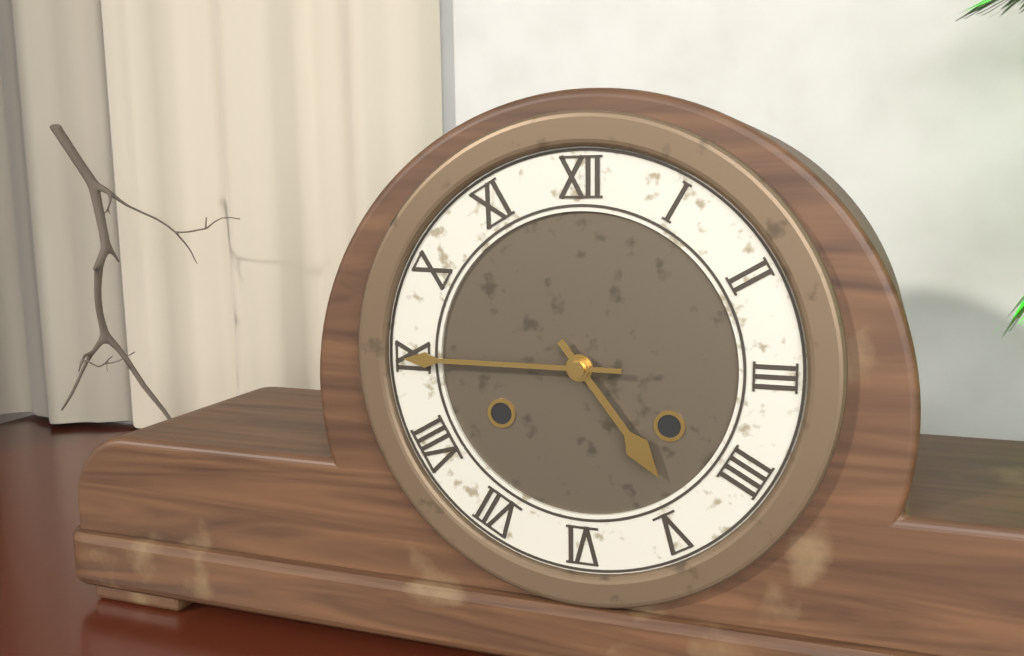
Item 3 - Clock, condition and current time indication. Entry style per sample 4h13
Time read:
4h45
